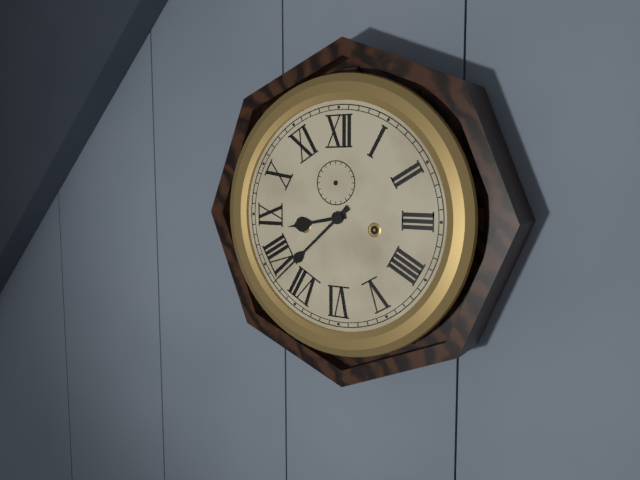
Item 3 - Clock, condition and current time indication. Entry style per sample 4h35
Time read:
8h38
